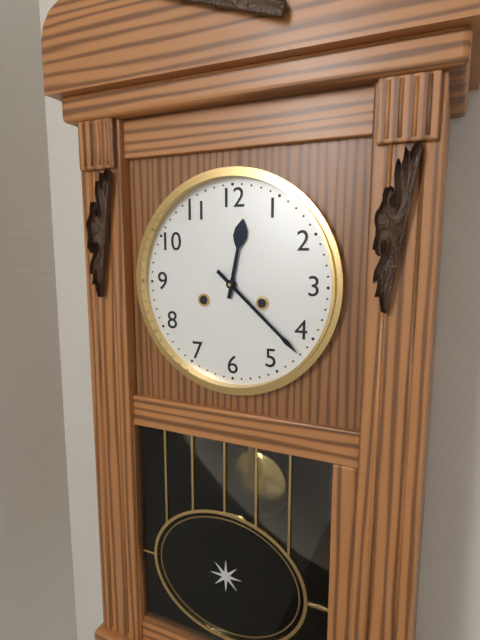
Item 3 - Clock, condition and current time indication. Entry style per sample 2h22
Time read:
12h22
